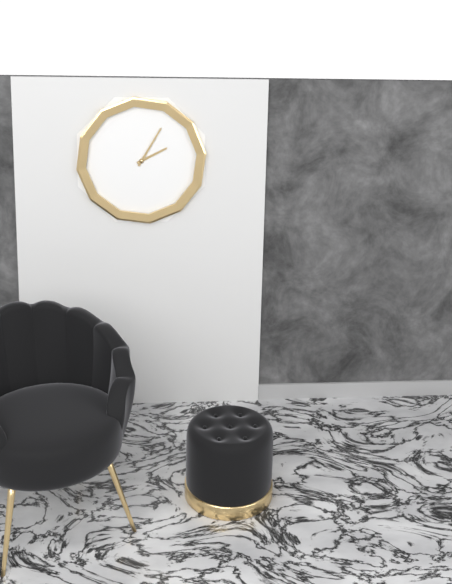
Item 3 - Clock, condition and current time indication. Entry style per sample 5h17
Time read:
2h05
